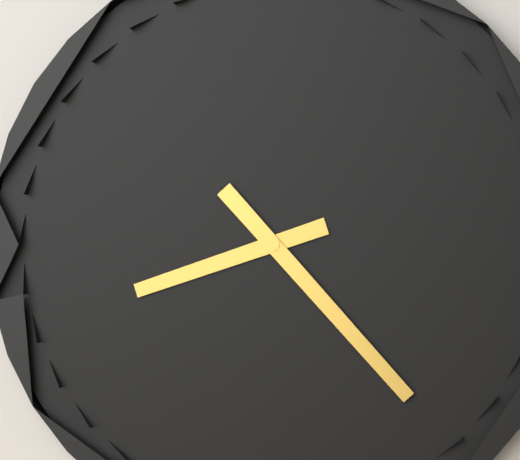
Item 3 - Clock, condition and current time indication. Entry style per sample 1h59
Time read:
8h23
